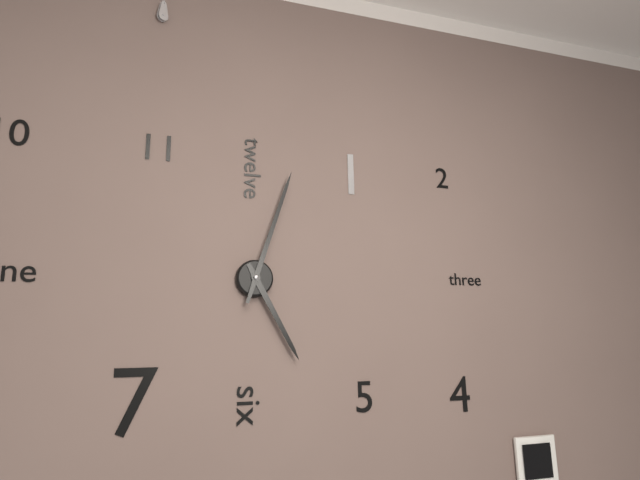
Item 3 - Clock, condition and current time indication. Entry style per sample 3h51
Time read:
5h03
